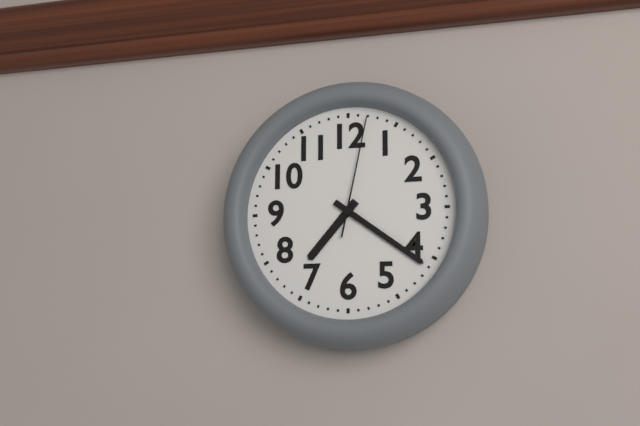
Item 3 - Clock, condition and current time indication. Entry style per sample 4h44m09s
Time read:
7h21m02s
